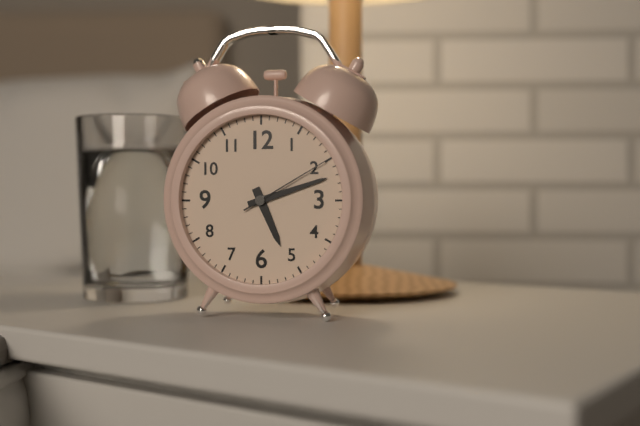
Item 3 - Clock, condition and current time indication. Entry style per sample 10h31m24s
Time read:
5h12m10s
